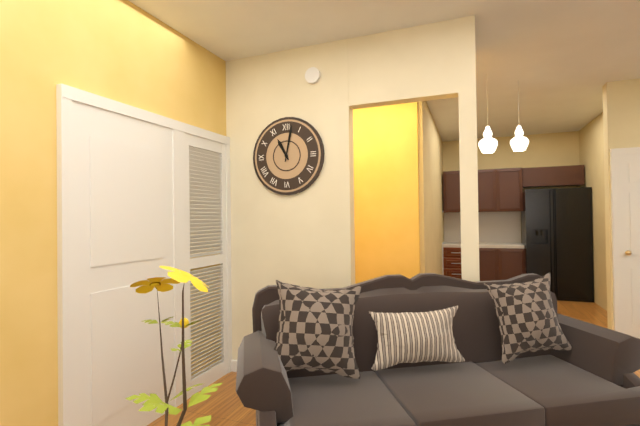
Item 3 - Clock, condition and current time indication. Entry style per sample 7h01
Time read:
11h02
